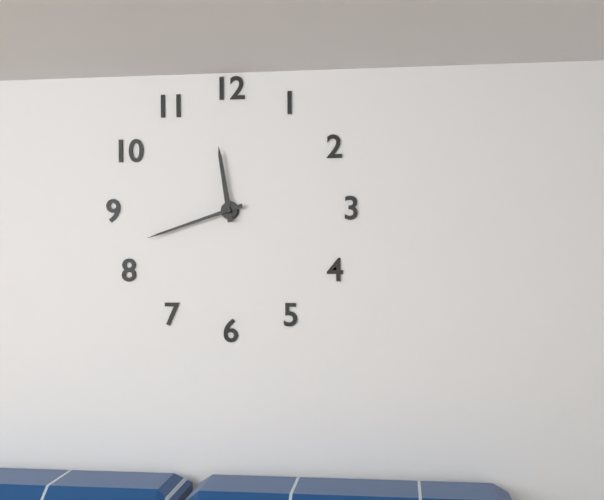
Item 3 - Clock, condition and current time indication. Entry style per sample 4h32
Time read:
11h42
